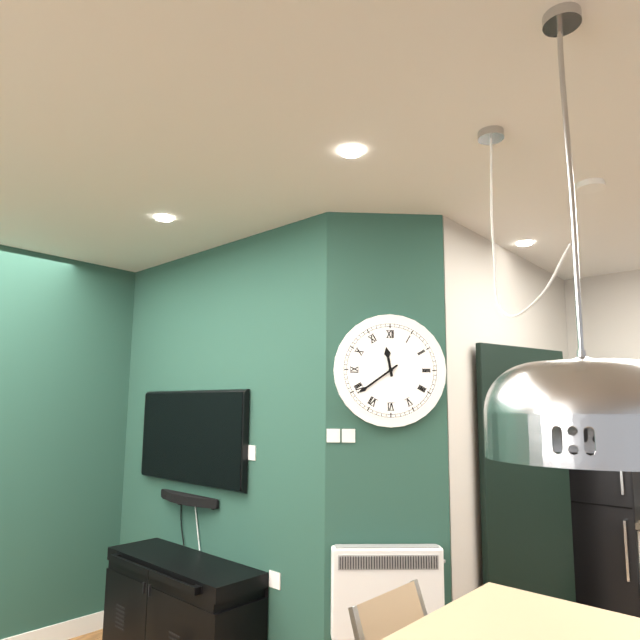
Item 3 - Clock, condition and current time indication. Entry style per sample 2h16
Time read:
11h39
